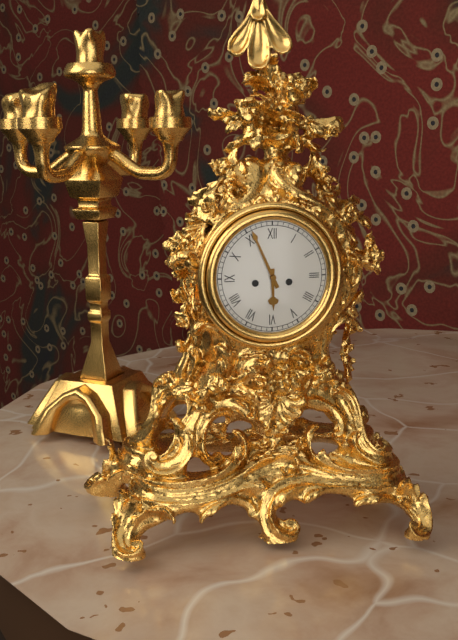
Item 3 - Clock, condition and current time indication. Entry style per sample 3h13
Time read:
5h56
